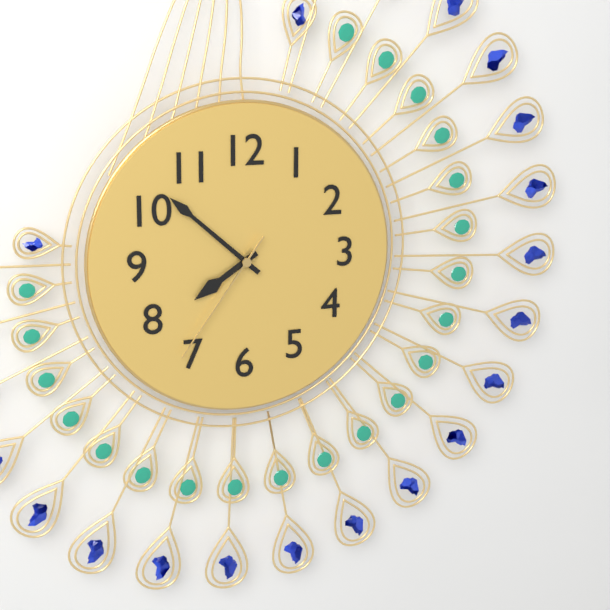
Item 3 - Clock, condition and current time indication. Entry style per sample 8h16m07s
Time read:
7h52m36s
